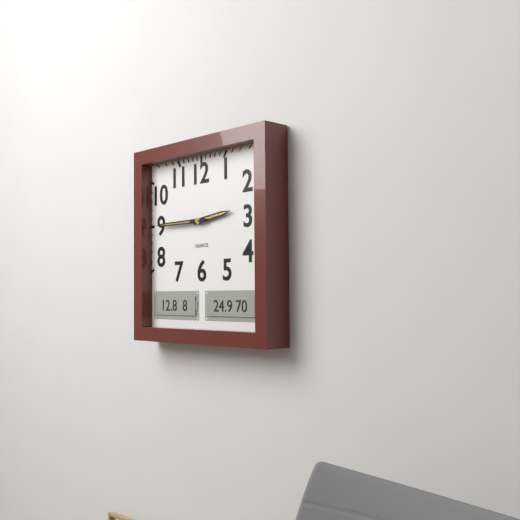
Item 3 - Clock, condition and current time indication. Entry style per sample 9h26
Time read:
2h45
